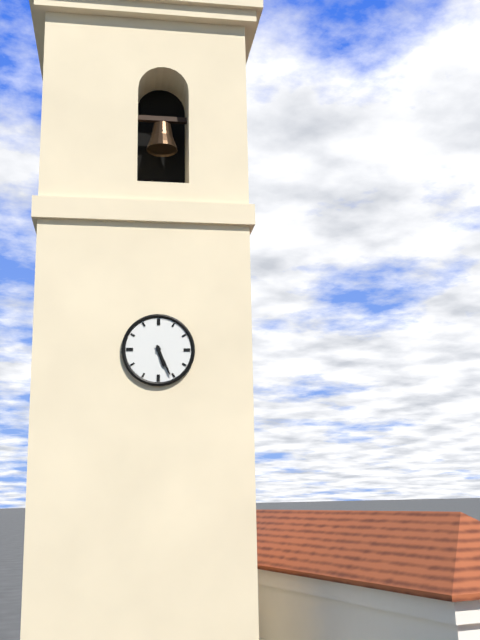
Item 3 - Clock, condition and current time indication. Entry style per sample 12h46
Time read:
5h26
